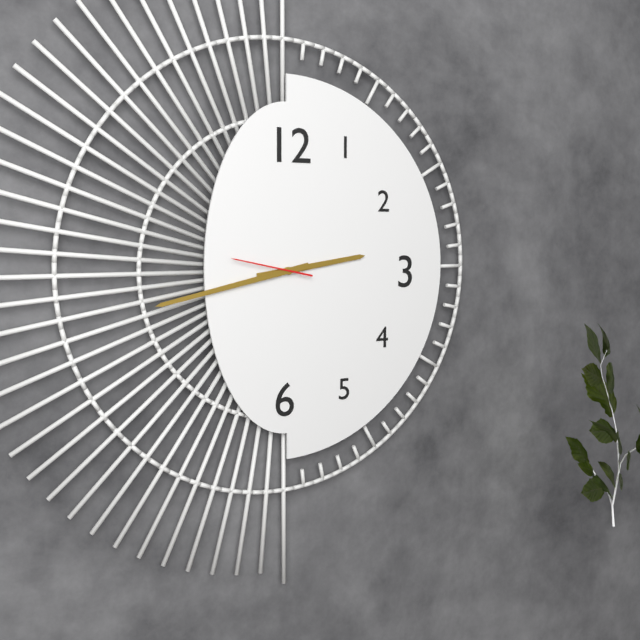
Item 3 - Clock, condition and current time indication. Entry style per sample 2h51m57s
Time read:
2h43m47s
